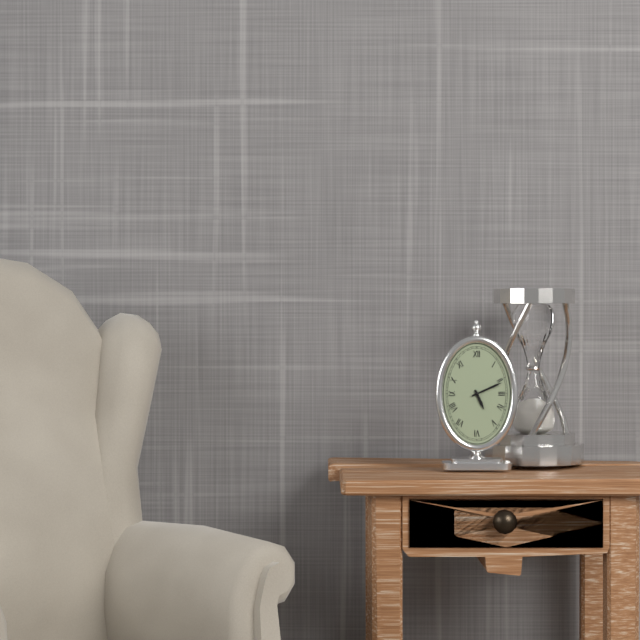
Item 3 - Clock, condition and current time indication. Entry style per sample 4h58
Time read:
5h11
